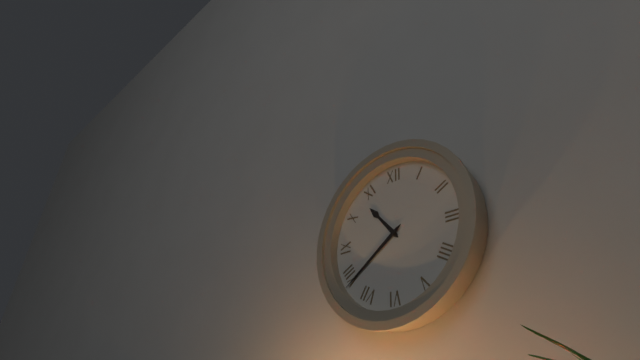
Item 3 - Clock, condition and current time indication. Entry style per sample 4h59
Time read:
10h39
